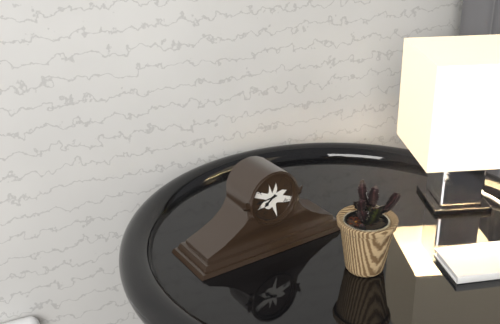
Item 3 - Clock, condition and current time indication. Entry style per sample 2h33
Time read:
7h44
